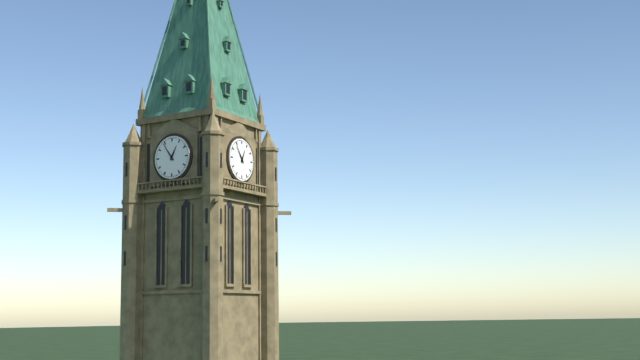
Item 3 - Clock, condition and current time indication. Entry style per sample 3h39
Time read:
12h54
